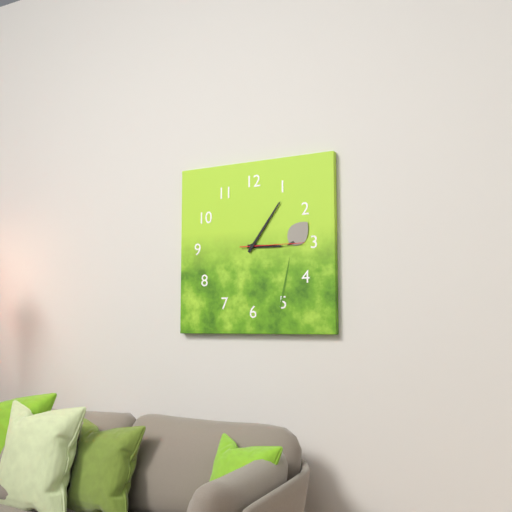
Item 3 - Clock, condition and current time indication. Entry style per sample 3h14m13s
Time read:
3h06m15s
